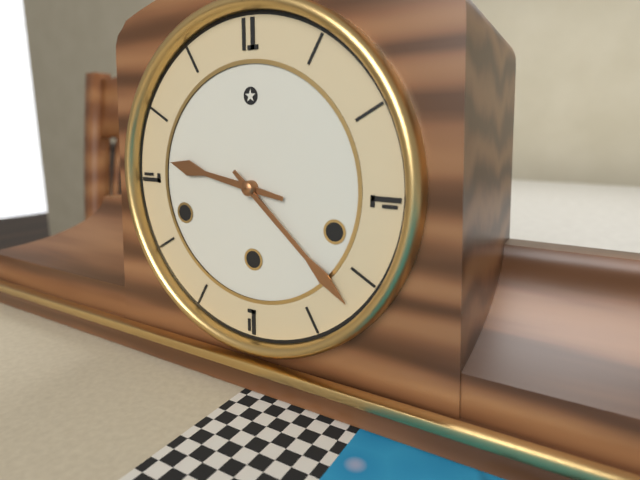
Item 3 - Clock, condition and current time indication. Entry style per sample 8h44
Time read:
9h22
